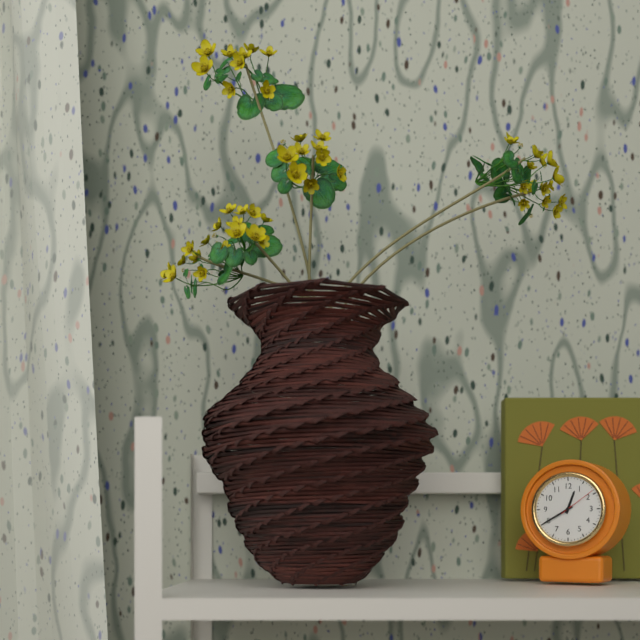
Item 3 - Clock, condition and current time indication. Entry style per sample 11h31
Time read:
12h40
